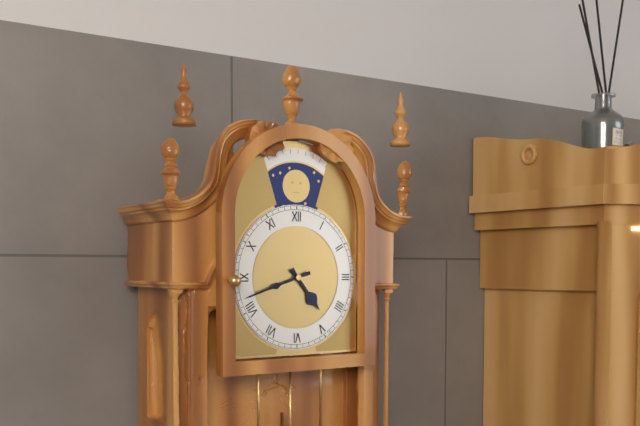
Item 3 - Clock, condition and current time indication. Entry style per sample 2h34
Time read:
4h42
